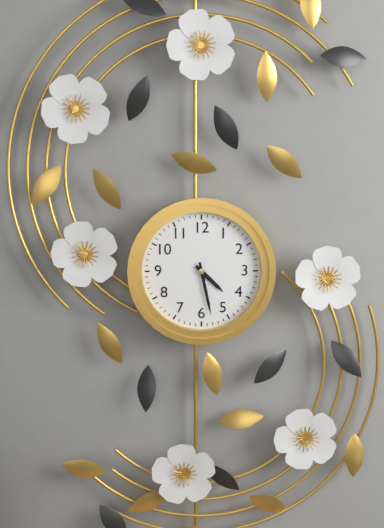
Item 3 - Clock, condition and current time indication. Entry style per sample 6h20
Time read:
4h28
